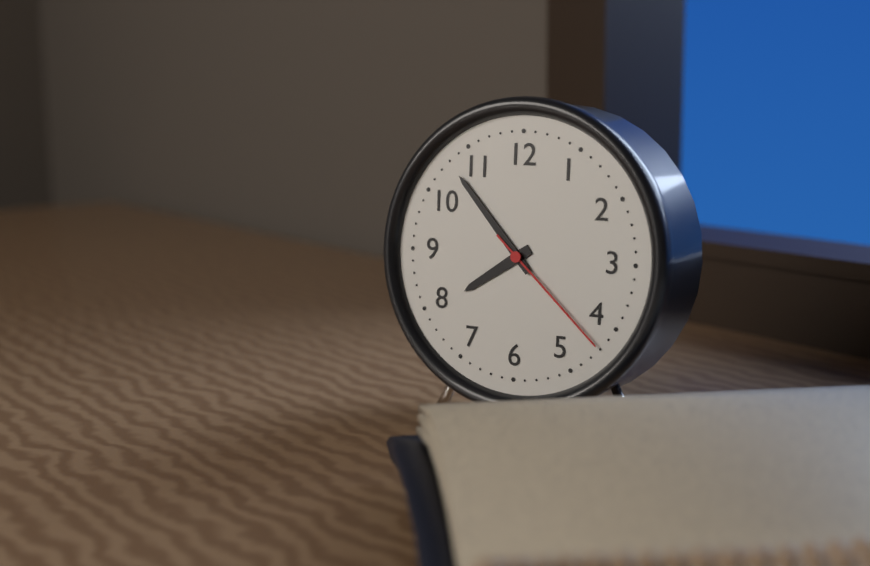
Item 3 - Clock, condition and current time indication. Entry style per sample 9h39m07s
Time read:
7h53m22s
